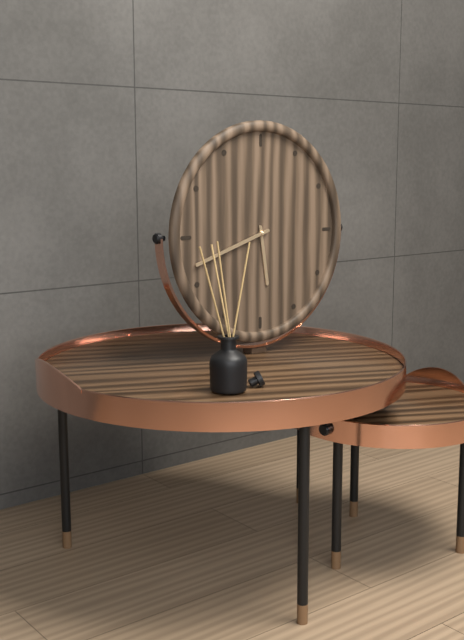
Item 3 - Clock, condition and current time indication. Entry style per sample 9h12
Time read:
5h42
